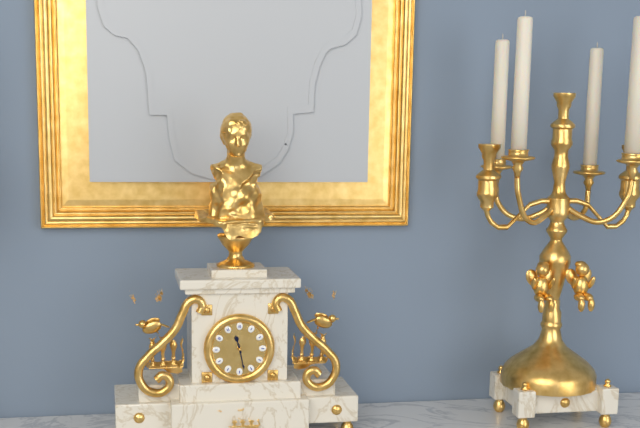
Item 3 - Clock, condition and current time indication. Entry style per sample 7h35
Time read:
11h28
